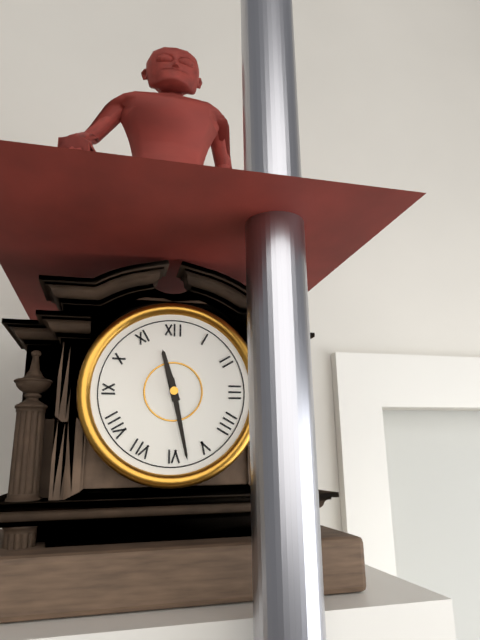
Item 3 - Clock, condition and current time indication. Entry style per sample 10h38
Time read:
11h28
